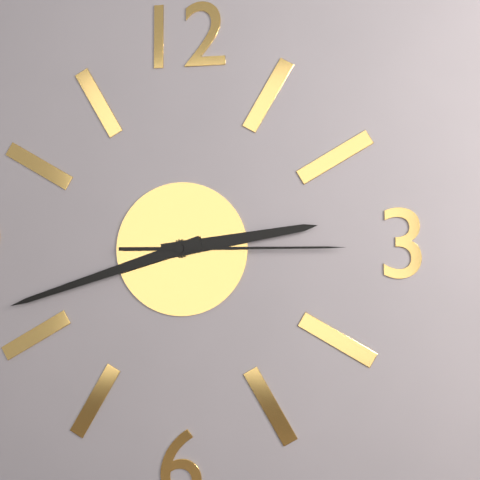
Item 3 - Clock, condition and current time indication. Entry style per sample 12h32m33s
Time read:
2h42m15s
